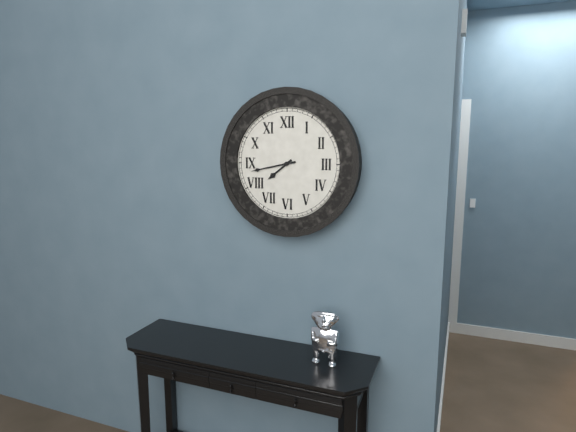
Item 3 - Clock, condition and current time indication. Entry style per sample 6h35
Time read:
7h43
